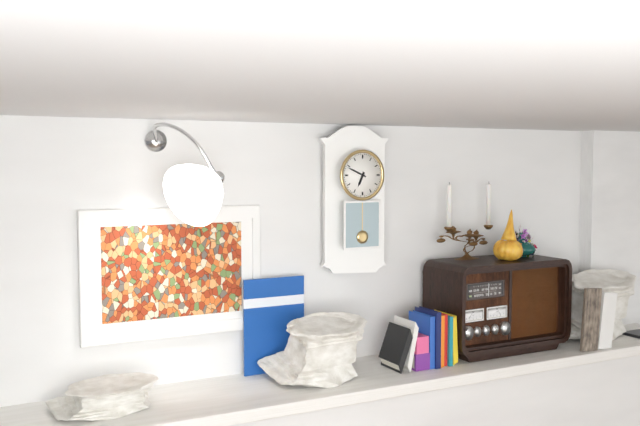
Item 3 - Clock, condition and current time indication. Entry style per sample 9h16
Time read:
6h49
